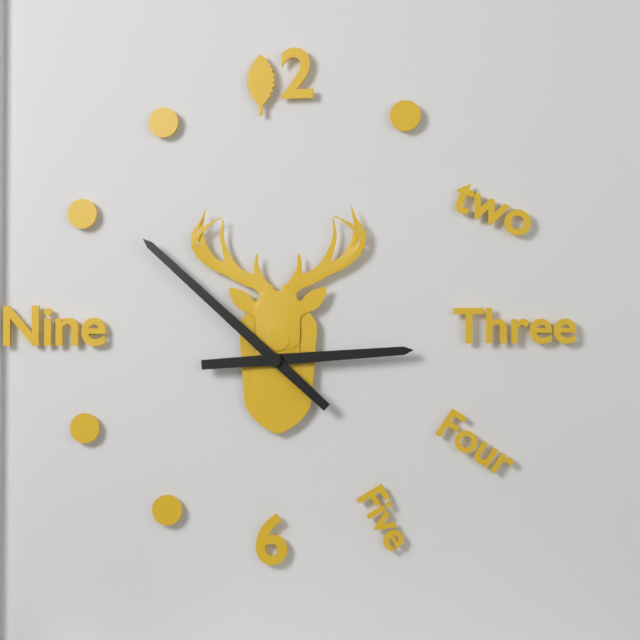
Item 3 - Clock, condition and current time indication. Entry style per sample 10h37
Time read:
2h52
